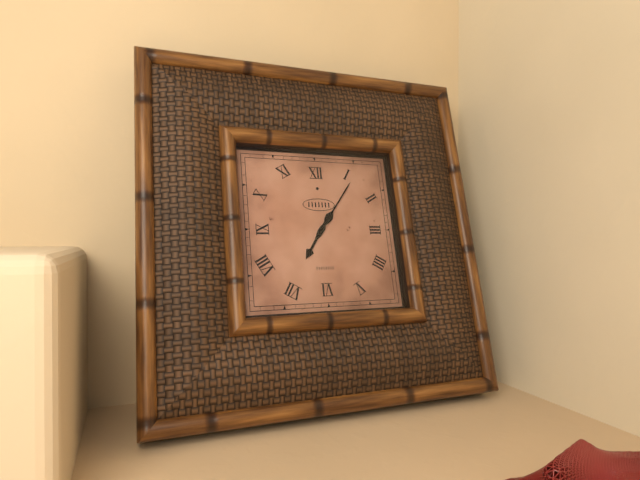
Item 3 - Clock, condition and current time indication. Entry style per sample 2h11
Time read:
7h06
